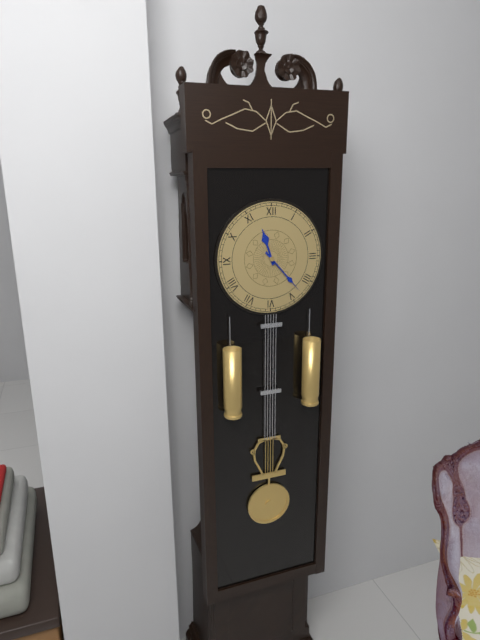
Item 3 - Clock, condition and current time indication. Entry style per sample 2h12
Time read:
11h23
